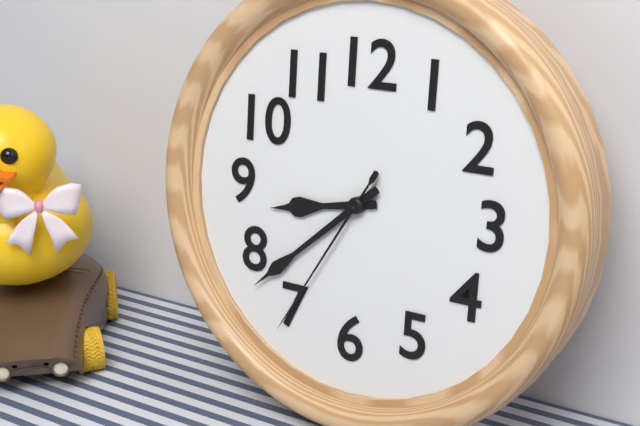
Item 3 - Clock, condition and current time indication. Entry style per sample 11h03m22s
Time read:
8h38m35s
